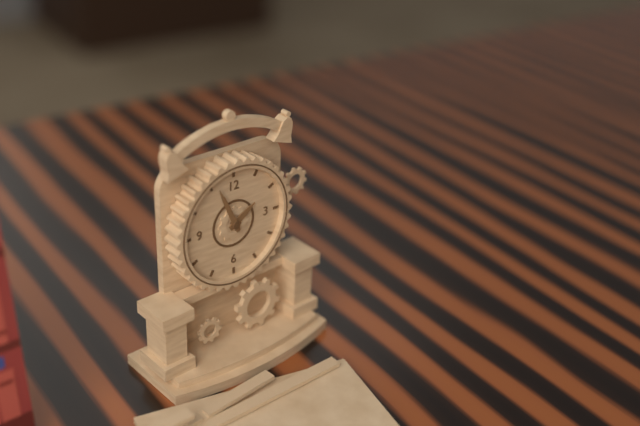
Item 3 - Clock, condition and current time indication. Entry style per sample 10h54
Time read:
1h56
